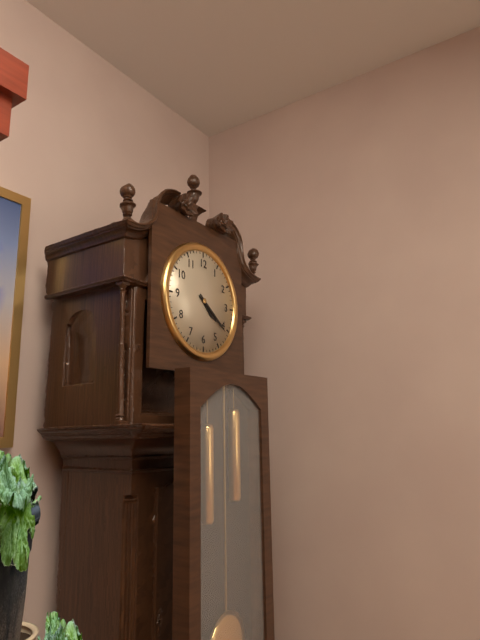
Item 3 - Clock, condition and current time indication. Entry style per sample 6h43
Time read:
4h21
